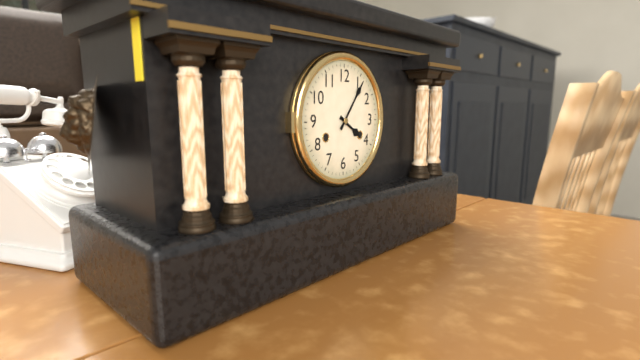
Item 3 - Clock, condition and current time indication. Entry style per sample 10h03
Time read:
4h06
